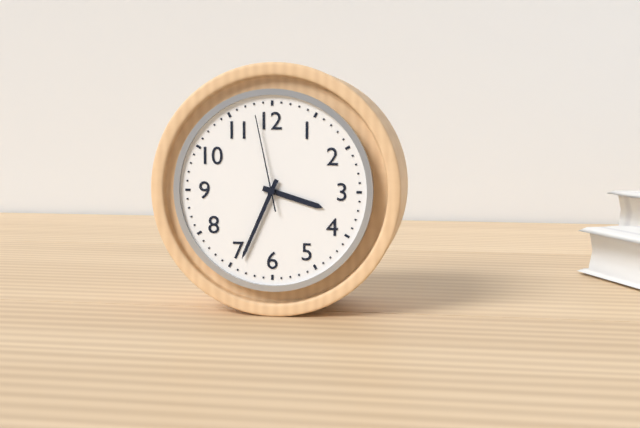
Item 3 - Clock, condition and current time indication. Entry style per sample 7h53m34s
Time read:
3h34m58s
